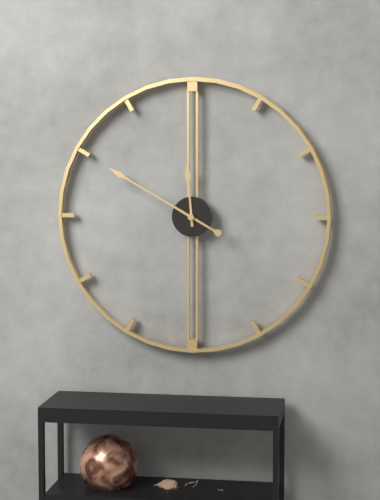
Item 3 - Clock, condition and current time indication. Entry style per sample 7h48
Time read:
11h50
